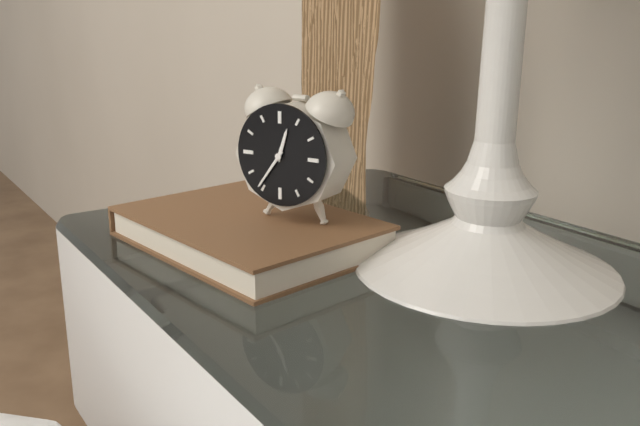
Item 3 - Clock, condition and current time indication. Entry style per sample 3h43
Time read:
12h36
